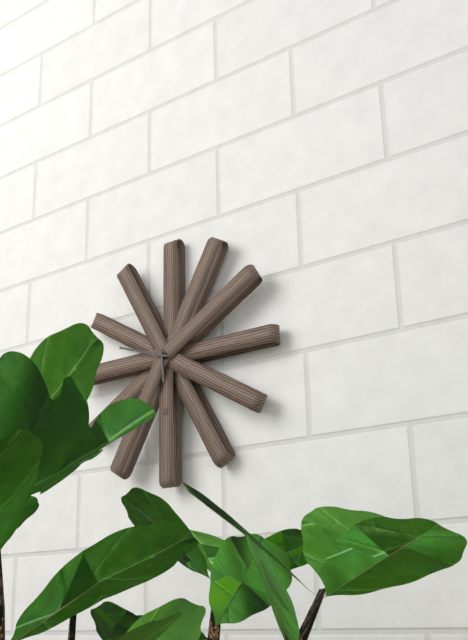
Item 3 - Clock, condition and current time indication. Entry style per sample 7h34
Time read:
5h48
